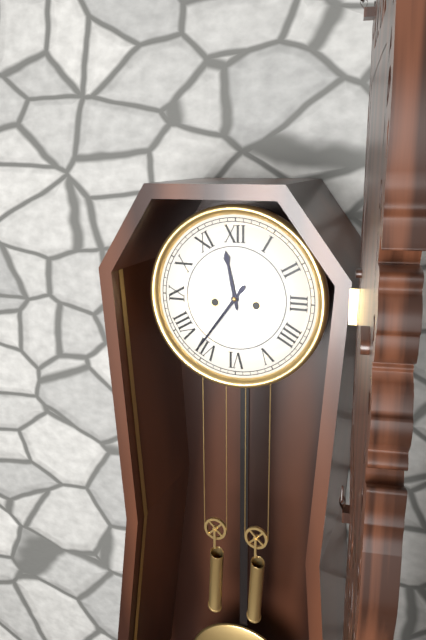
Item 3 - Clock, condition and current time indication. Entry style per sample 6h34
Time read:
11h36
